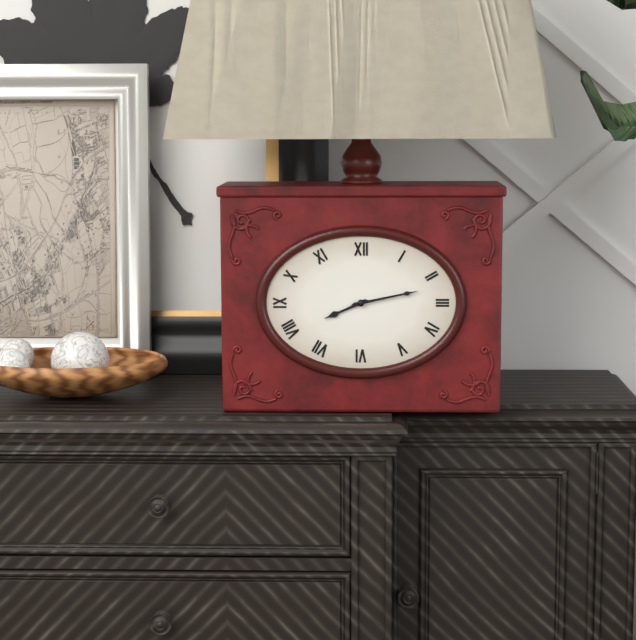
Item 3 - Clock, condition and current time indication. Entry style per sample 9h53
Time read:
8h13
